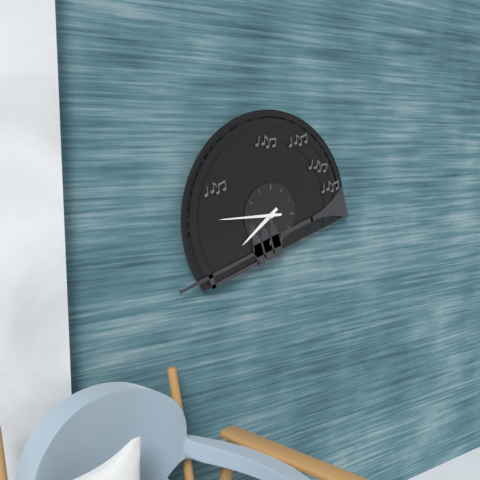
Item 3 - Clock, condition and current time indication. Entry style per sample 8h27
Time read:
7h45
